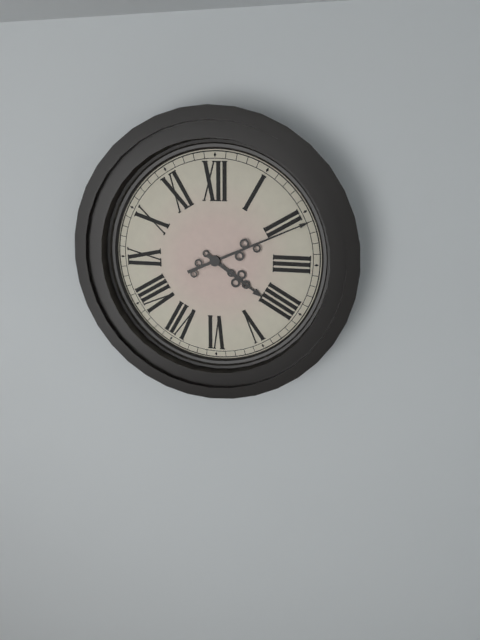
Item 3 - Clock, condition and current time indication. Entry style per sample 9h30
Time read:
4h11
